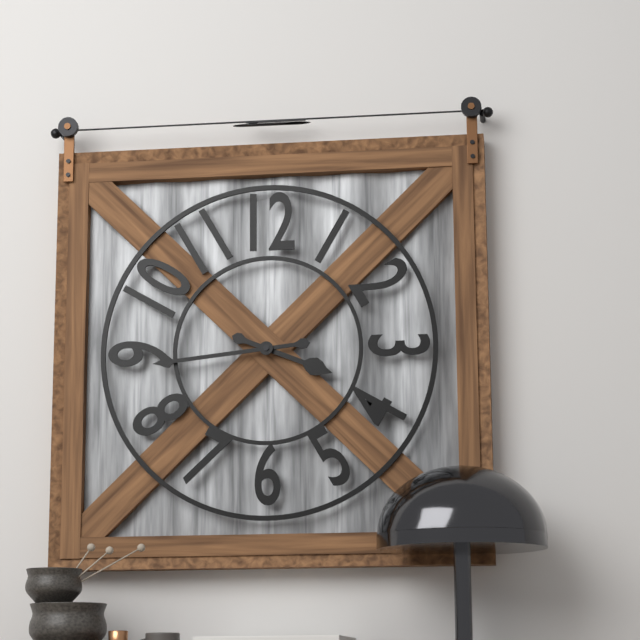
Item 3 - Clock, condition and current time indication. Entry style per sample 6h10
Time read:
3h44
